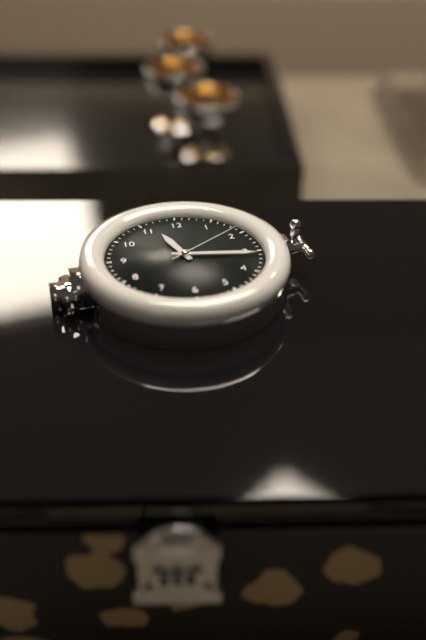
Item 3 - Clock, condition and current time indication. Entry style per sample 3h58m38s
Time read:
11h16m09s
